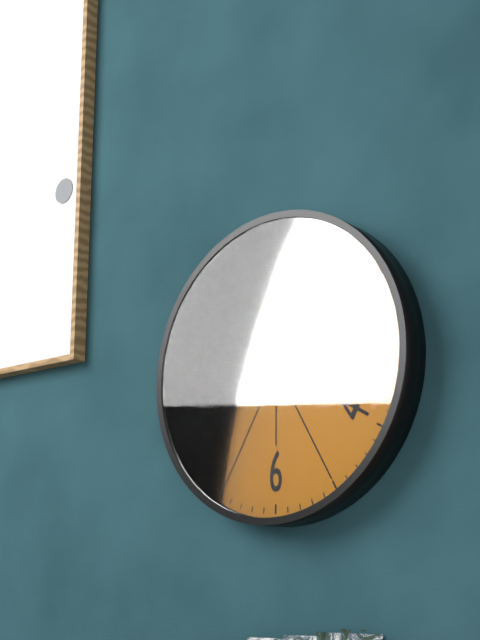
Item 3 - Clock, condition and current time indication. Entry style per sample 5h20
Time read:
12h50
